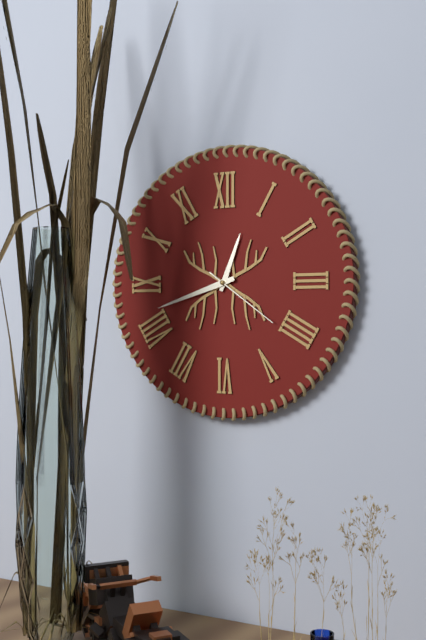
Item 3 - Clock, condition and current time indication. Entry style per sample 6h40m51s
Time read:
12h42m21s
